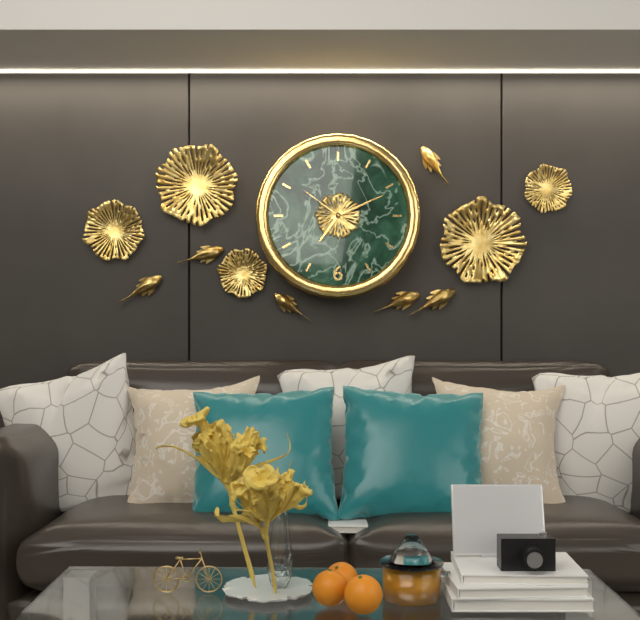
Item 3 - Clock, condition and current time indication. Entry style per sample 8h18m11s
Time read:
7h11m51s
